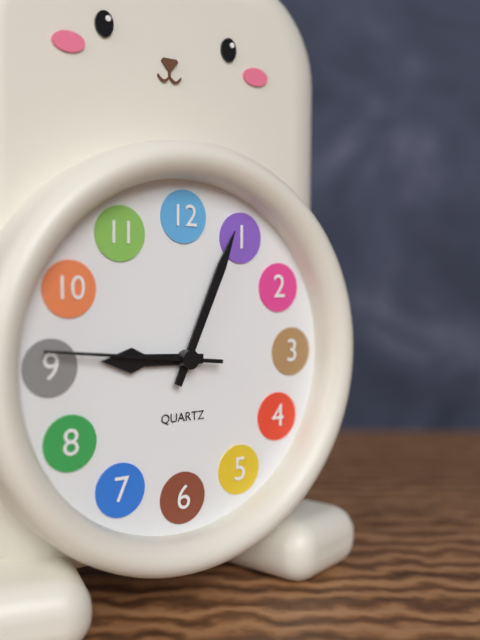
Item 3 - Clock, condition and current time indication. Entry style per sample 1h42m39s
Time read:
9h04m46s
